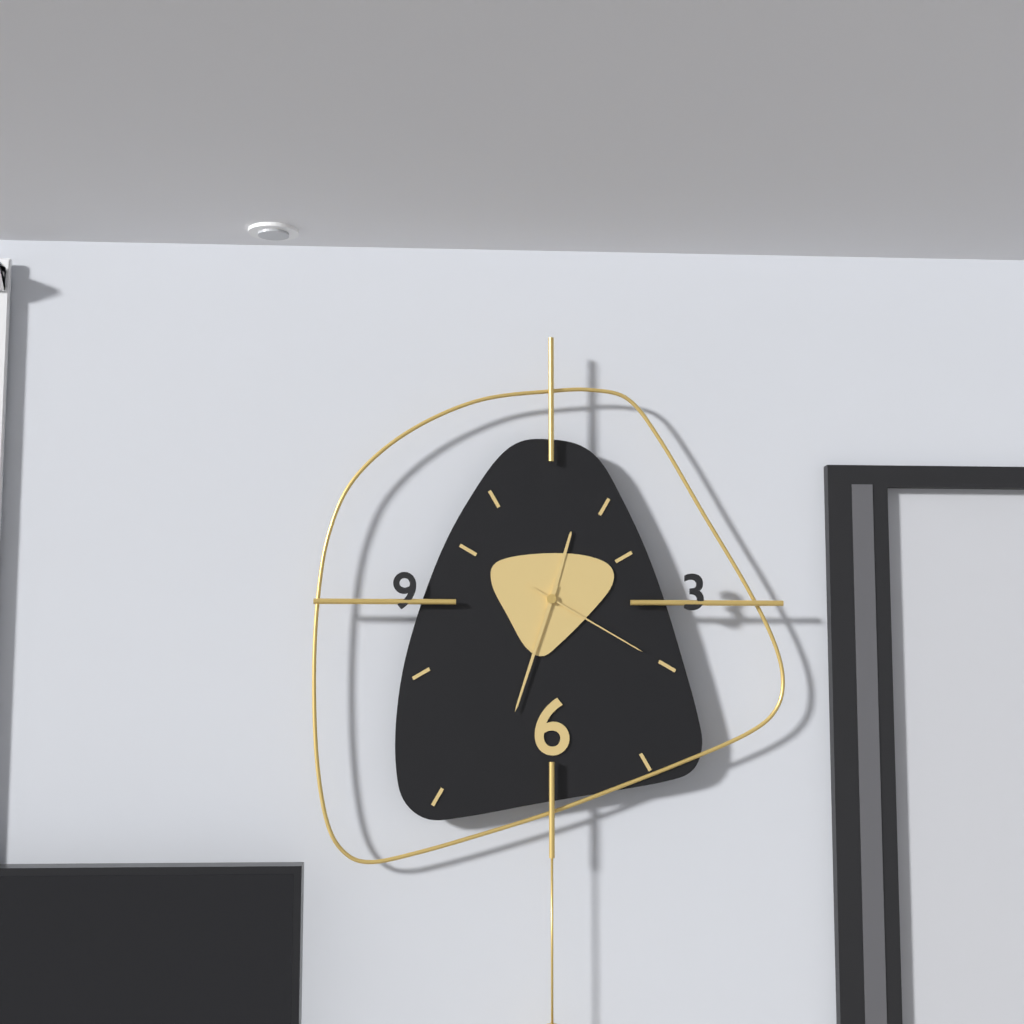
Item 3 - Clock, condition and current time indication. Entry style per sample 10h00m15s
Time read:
12h33m20s
